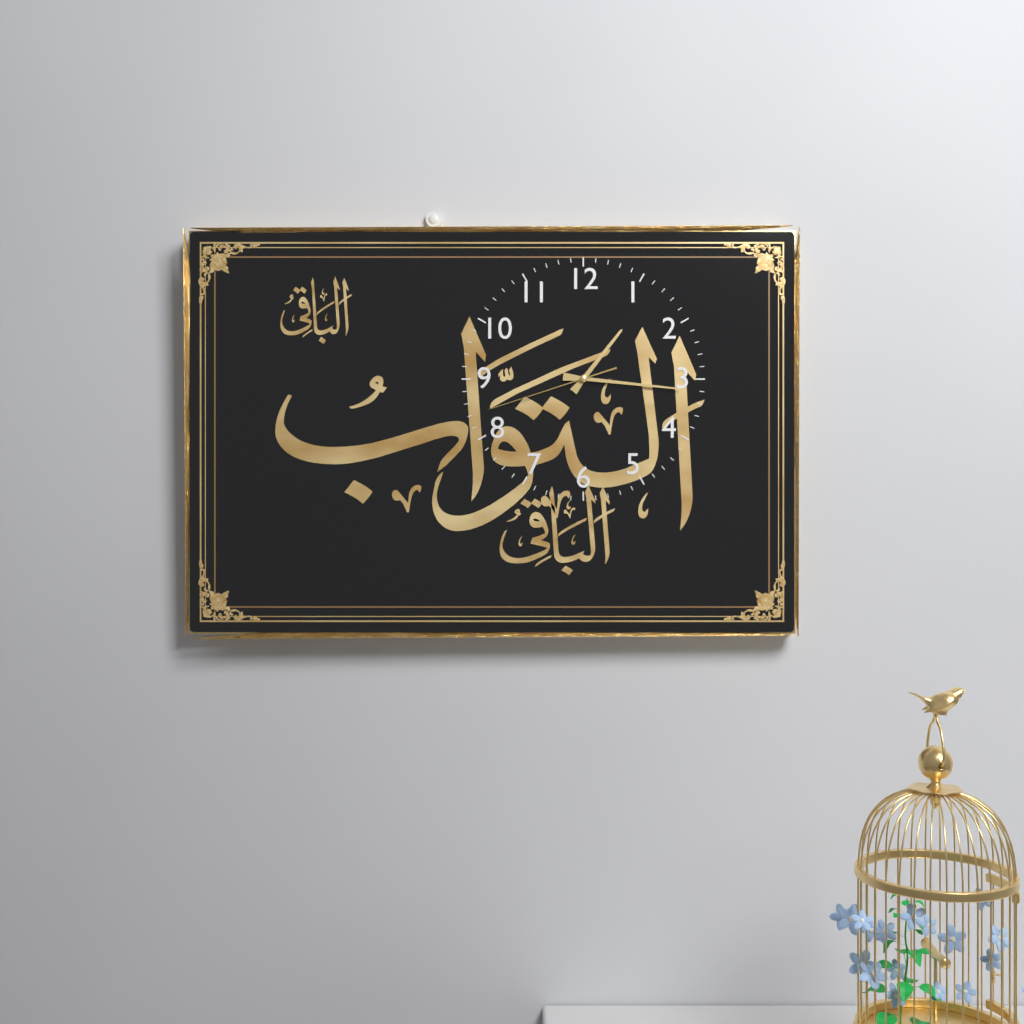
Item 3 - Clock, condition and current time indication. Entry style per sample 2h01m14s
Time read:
1h16m42s
